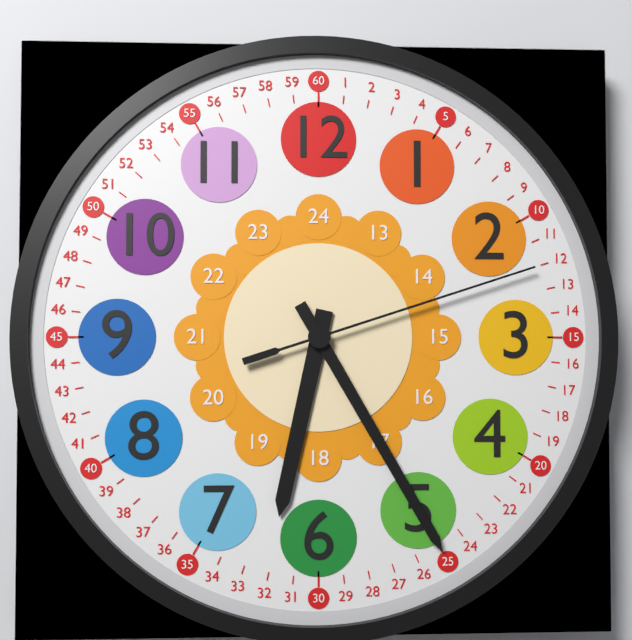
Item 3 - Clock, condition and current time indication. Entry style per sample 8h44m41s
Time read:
6h25m12s
